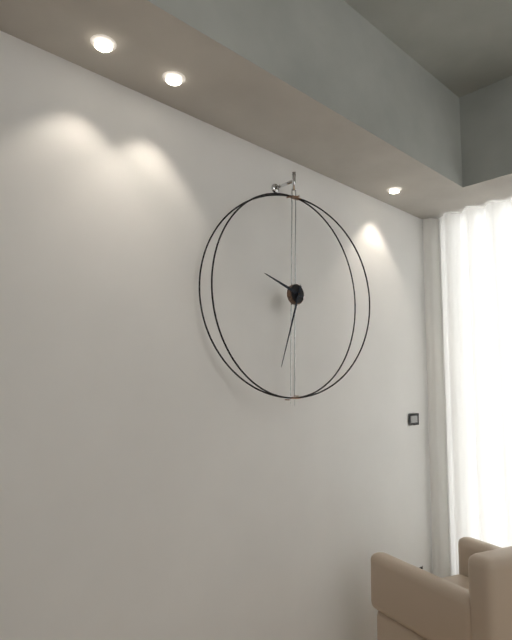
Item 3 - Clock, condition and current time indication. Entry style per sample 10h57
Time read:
9h33
